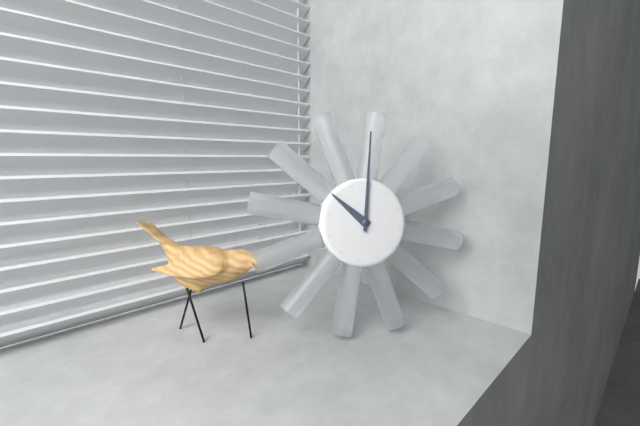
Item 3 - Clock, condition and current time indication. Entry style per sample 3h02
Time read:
9h59
